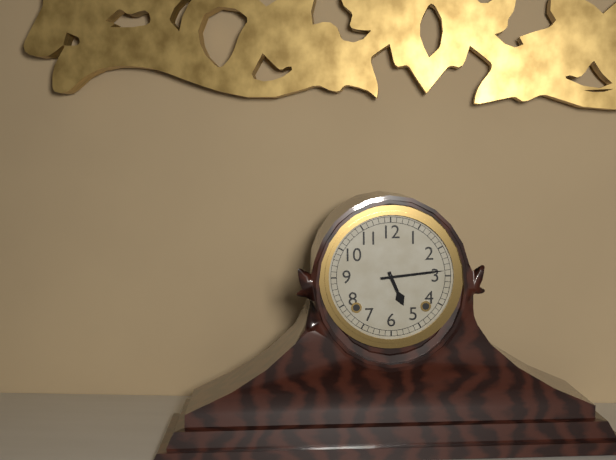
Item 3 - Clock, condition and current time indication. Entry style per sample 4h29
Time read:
5h14
